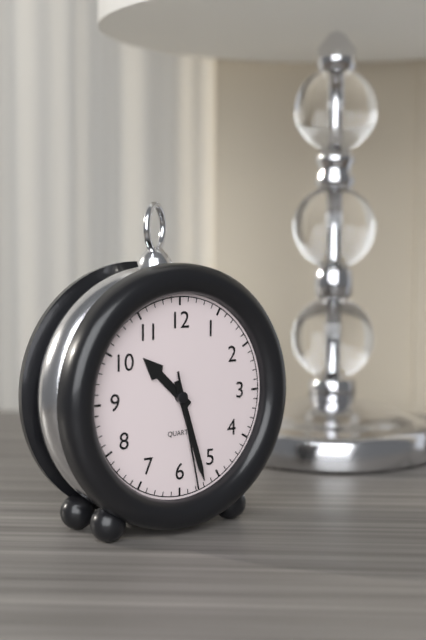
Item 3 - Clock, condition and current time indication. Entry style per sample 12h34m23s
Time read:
10h27m28s
